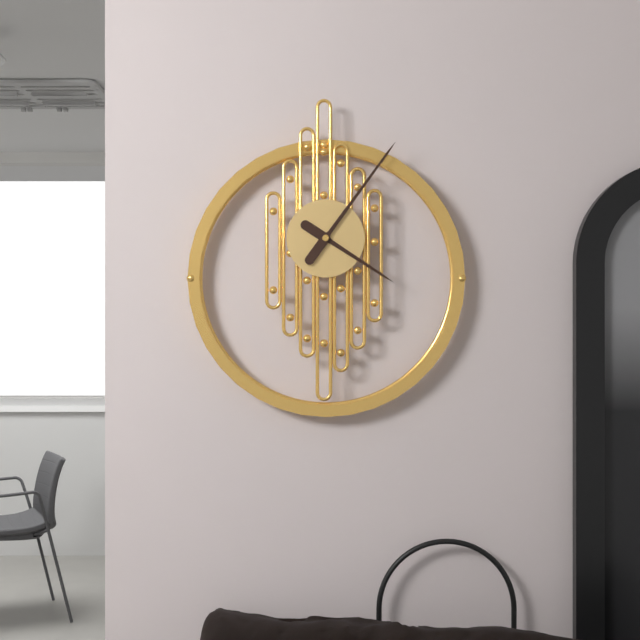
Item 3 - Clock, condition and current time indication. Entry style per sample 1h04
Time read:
4h06
